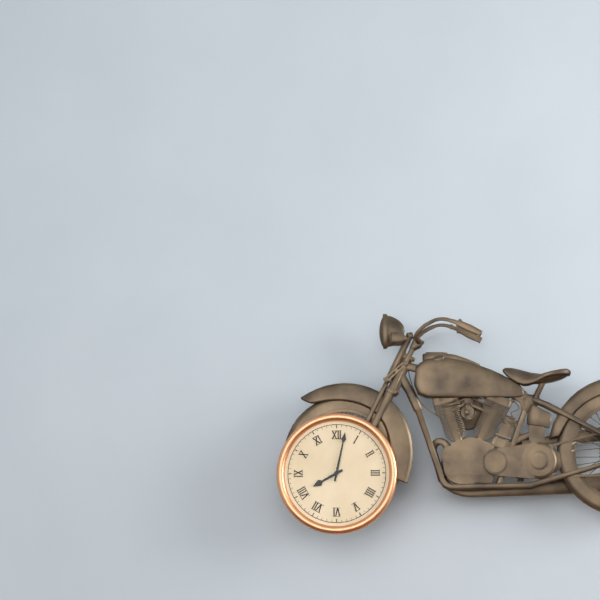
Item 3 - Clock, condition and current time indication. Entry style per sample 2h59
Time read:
8h02
